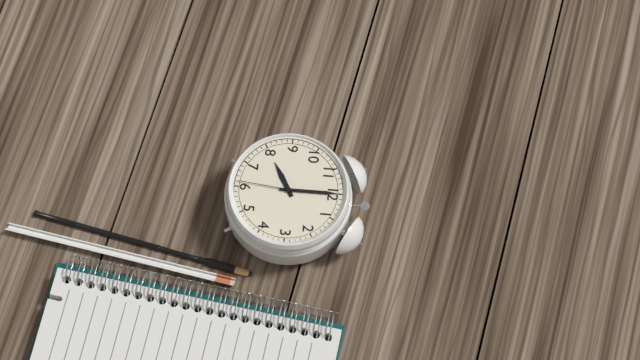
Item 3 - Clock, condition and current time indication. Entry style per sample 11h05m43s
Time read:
8h00m31s
